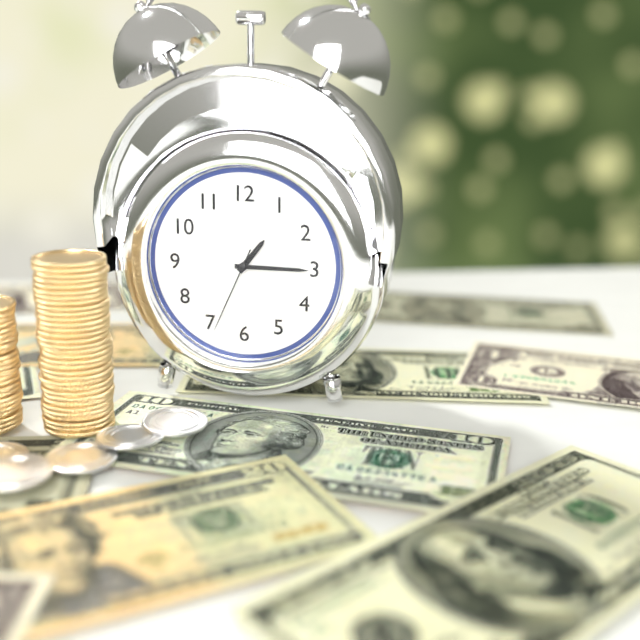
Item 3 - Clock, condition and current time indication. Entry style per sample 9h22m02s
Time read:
1h15m34s
